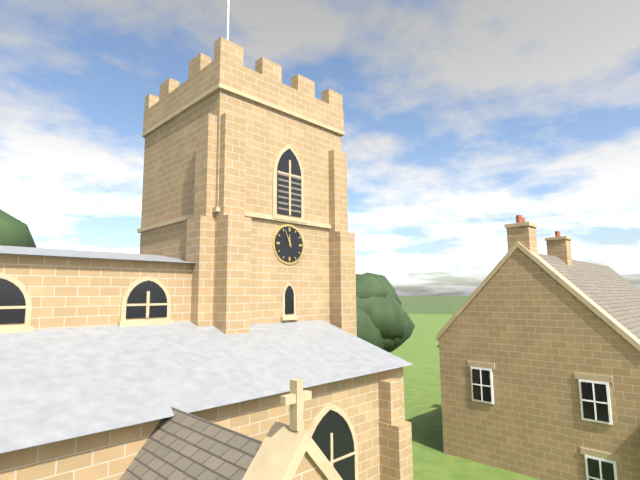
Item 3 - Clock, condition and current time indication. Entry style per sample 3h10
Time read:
11h56
